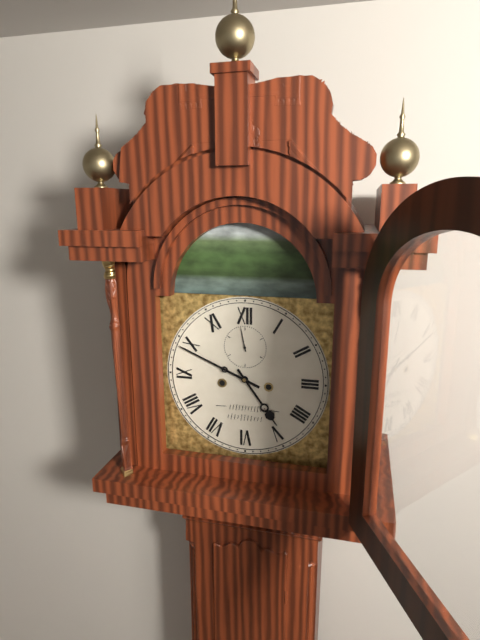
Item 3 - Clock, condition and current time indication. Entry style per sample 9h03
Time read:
4h49
